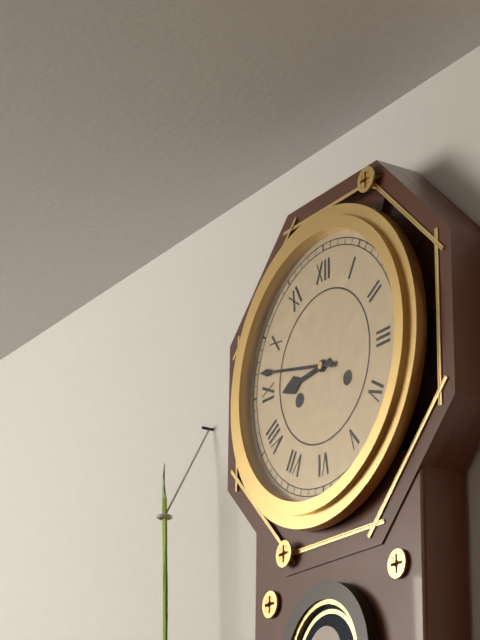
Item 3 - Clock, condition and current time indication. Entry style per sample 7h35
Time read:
8h47
